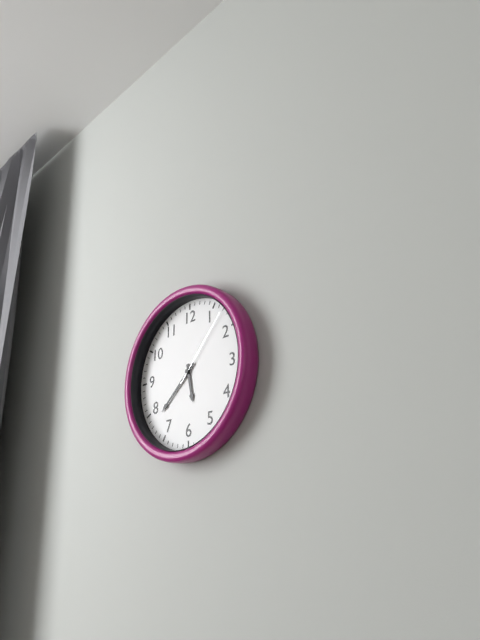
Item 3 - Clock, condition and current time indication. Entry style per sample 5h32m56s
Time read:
5h38m07s
